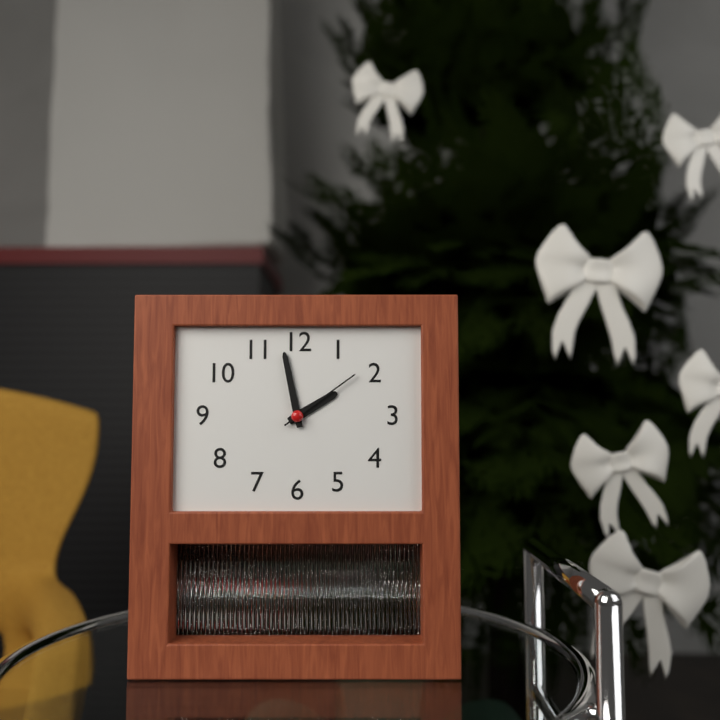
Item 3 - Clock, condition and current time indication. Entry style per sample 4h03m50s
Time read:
1h58m09s
